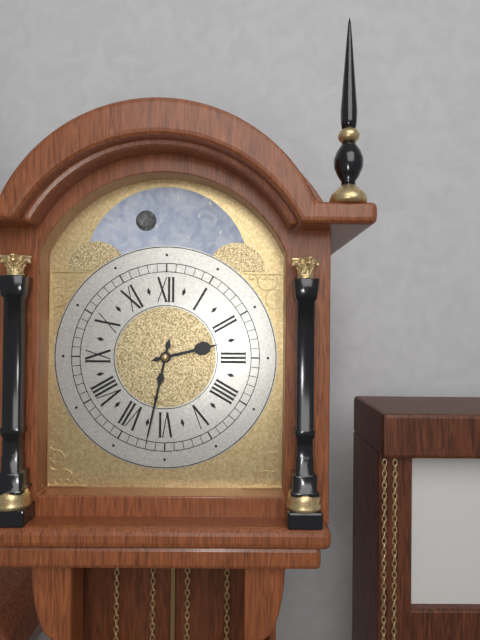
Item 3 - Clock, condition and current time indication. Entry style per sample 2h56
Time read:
2h32
